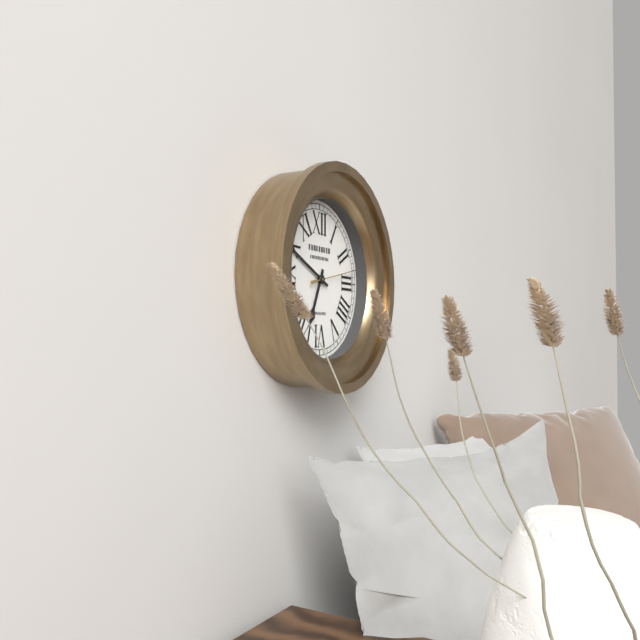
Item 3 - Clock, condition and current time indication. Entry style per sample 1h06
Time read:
6h49
